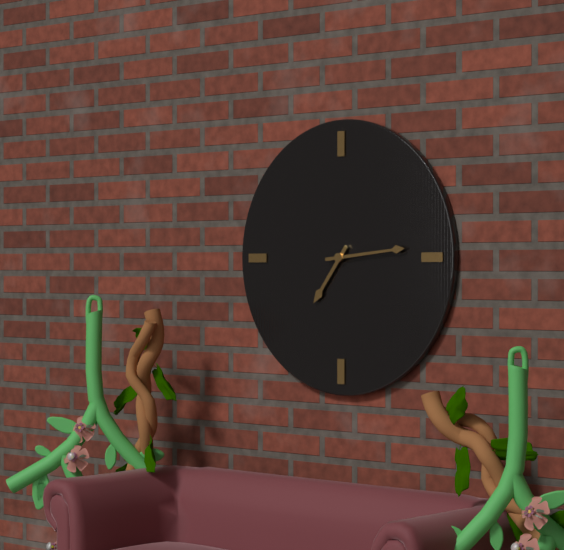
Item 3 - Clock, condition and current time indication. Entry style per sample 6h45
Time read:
7h14
